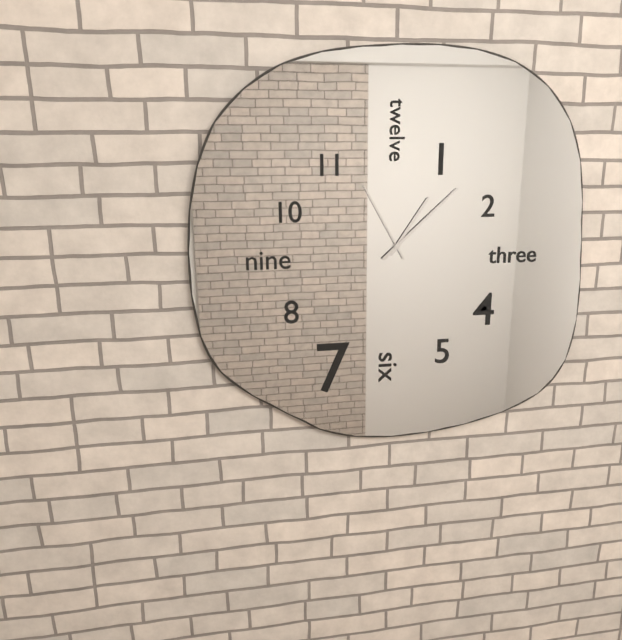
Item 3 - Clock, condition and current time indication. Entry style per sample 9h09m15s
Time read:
1h08m55s
